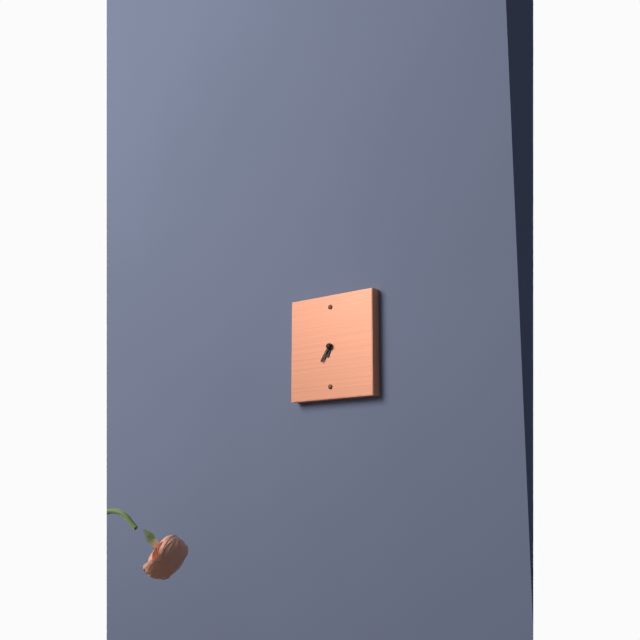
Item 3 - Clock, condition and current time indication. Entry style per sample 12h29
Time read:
6h36
